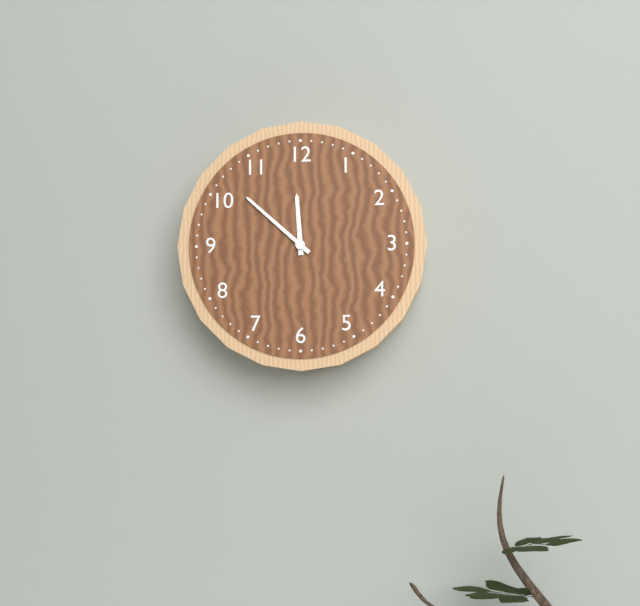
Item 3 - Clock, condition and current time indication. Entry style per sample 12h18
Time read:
11h52
